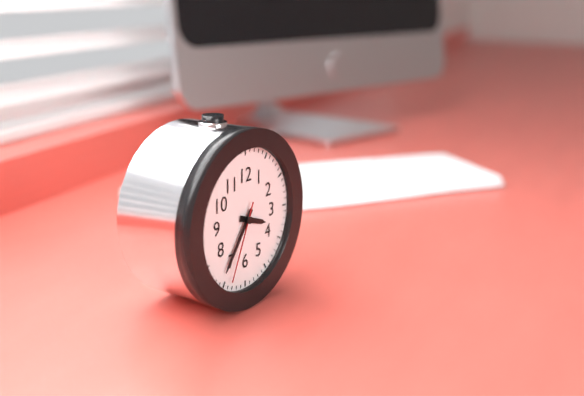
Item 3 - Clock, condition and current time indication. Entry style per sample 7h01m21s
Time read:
3h36m34s
